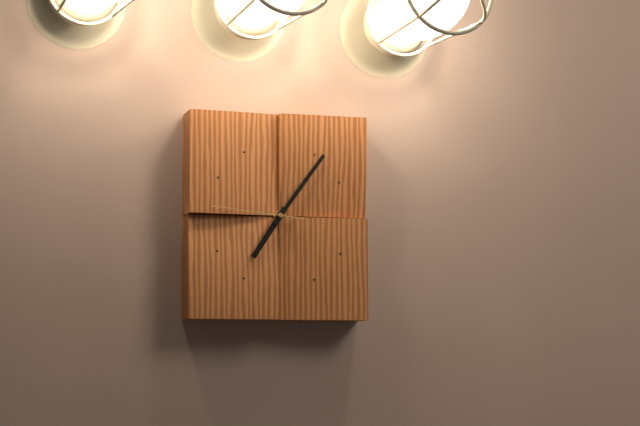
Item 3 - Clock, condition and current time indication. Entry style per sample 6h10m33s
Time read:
7h06m46s
